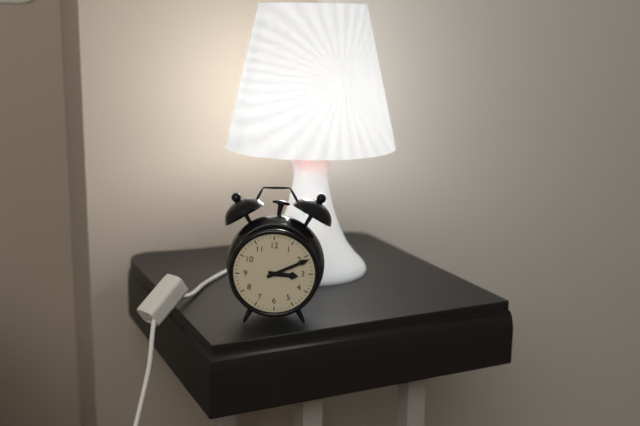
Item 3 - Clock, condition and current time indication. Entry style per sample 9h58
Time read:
3h11
